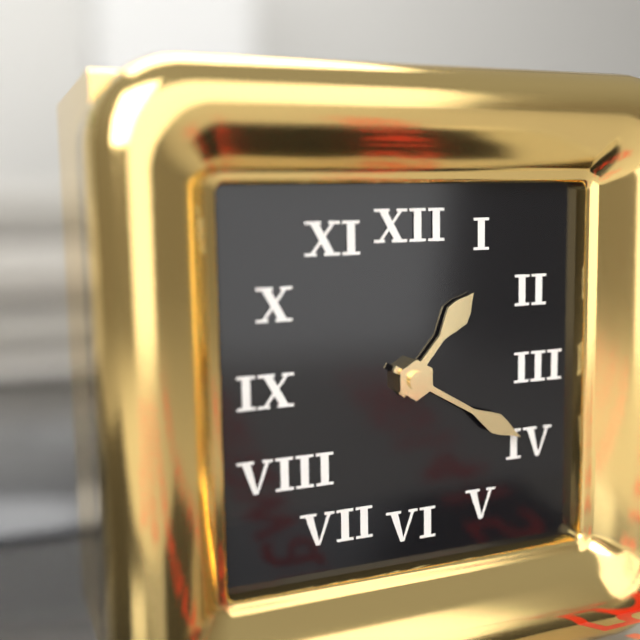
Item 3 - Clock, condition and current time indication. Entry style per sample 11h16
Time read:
1h20
